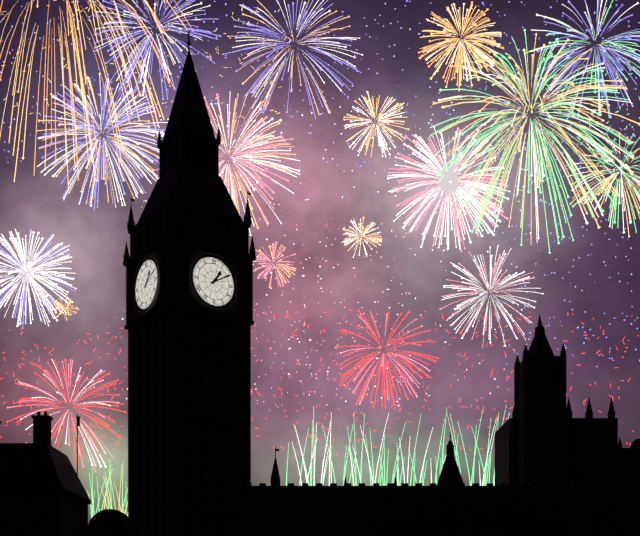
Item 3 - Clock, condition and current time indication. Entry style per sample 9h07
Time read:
1h10
